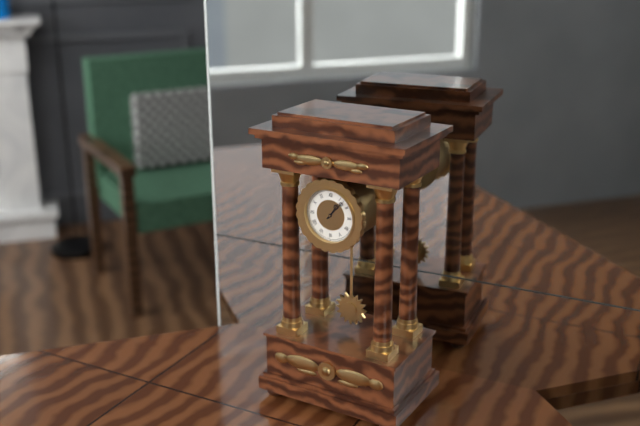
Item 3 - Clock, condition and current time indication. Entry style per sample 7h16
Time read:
1h07
